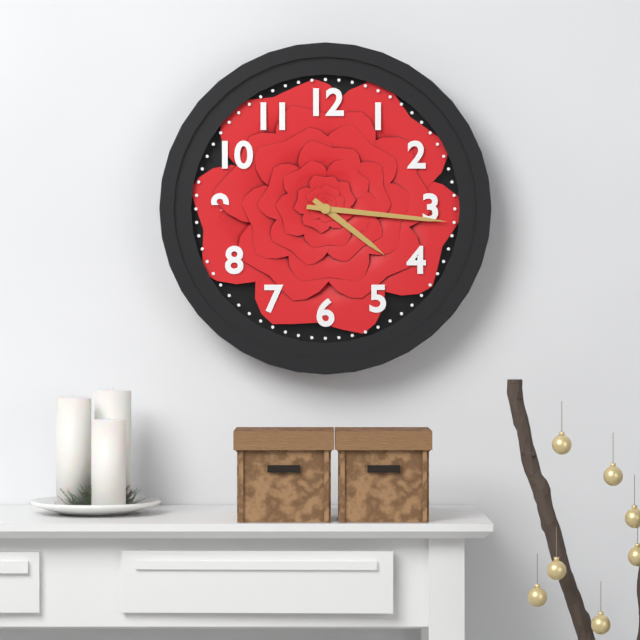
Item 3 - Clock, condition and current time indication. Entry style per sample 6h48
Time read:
4h16
